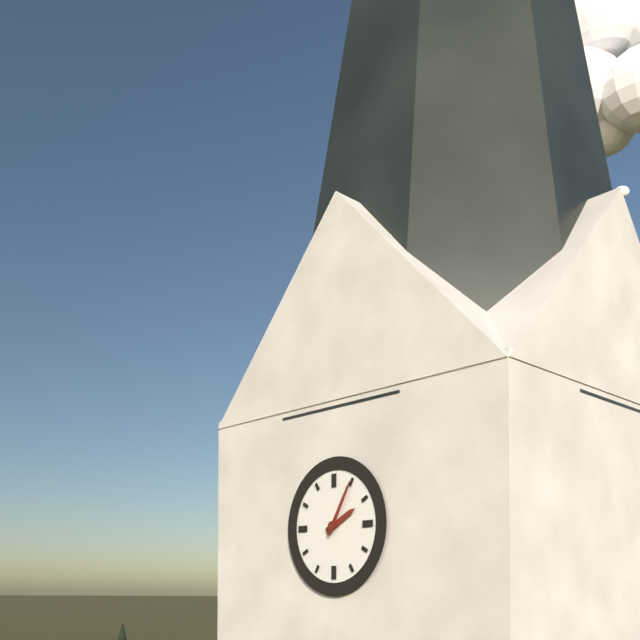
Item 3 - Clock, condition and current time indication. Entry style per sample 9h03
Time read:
2h05
